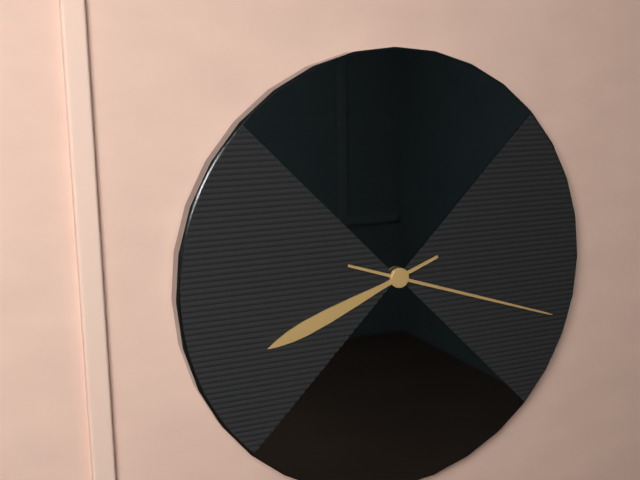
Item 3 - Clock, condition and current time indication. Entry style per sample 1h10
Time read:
8h18
